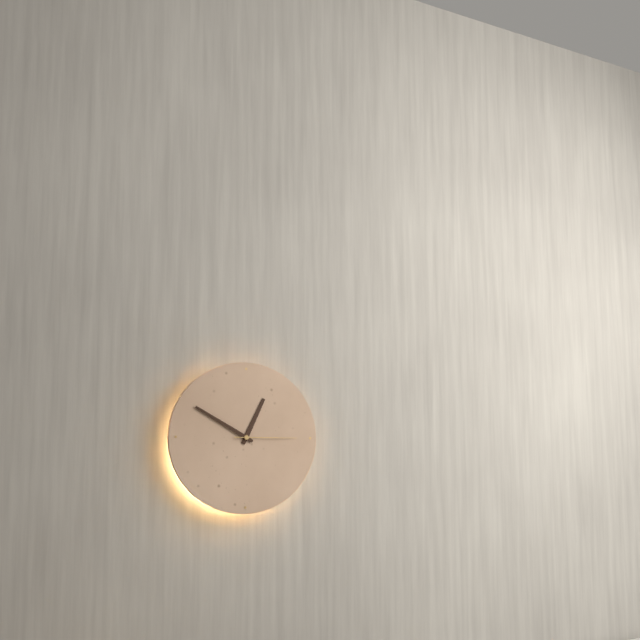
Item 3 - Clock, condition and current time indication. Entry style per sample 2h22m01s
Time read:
12h50m15s
